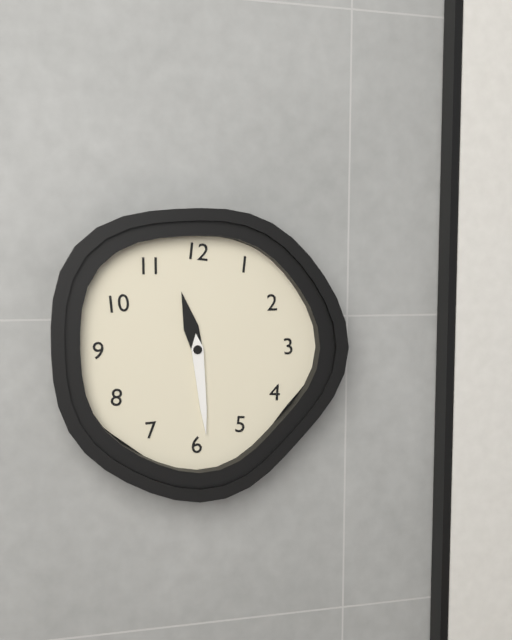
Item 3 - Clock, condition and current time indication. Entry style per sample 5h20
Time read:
11h29
